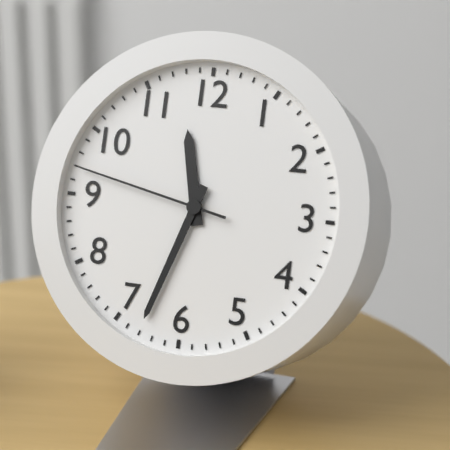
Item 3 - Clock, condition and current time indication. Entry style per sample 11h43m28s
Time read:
11h33m47s
